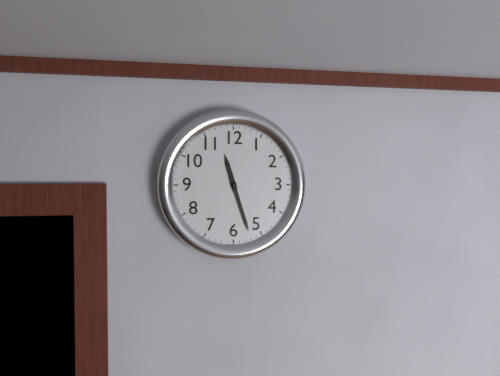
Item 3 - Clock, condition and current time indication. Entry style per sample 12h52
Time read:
11h27
